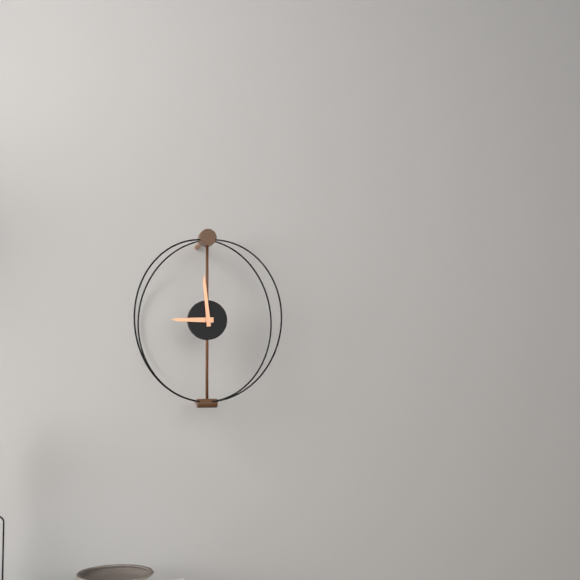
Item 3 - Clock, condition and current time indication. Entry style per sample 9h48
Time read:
8h59
